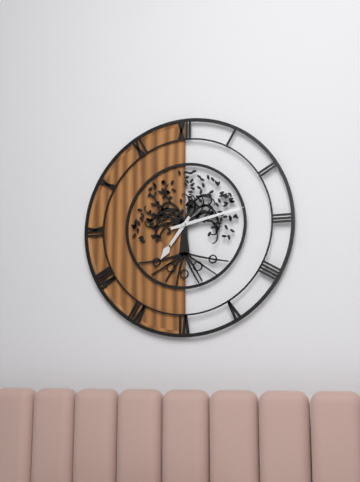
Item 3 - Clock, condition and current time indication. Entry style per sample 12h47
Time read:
7h13
